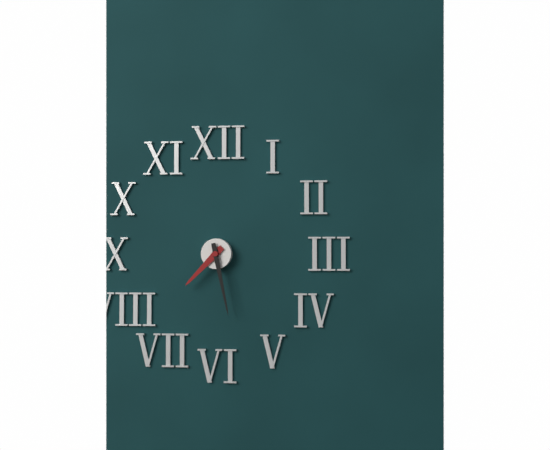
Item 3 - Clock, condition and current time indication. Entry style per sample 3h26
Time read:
7h28
